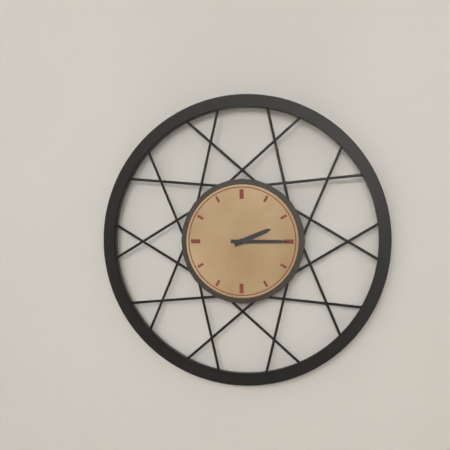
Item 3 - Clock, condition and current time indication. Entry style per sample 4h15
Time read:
2h15
